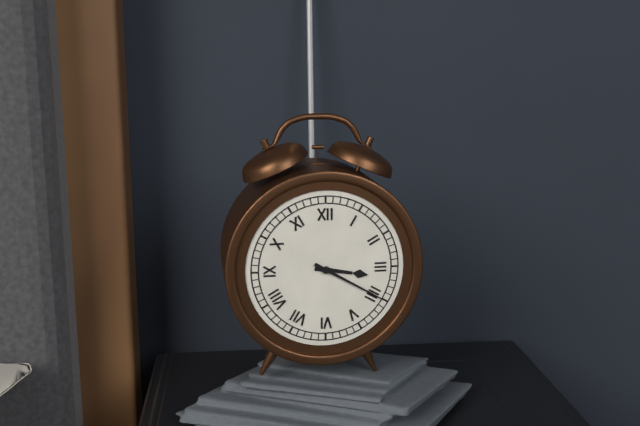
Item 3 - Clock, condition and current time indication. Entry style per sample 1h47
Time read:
3h20
